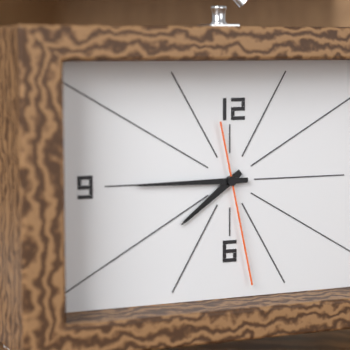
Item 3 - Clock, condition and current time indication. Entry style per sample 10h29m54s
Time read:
7h45m28s
